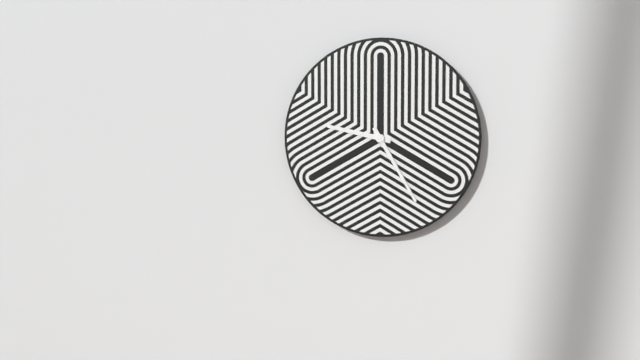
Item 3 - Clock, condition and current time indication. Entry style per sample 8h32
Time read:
9h25
